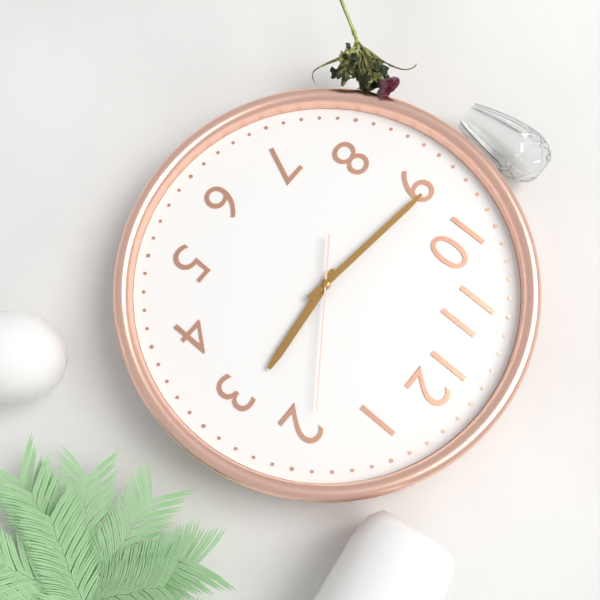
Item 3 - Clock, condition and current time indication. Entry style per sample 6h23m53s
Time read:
2h46m09s
